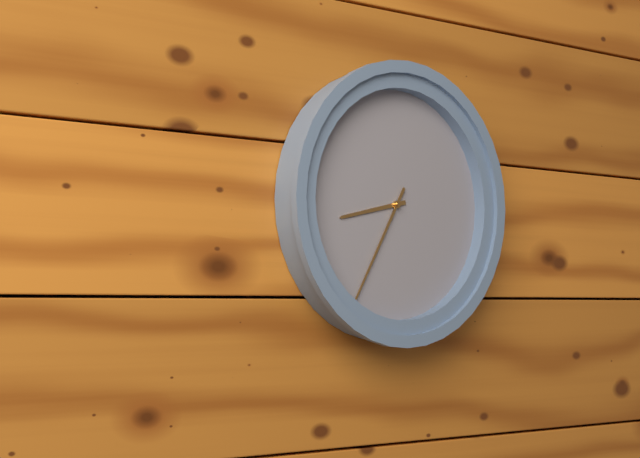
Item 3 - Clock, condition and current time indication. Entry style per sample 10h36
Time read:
8h35
